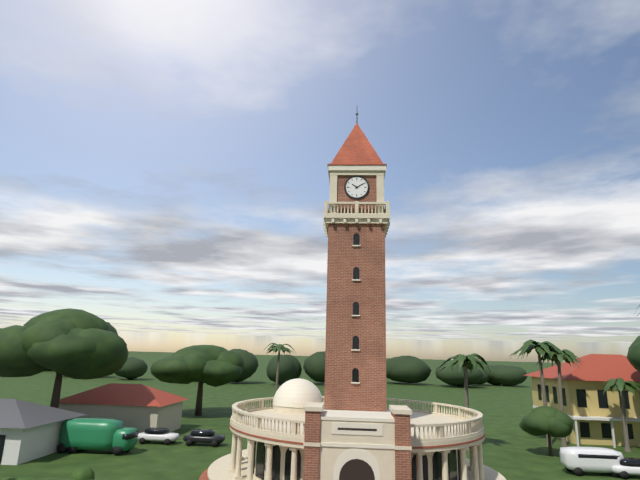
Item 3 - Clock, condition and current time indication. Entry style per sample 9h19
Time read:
10h10
